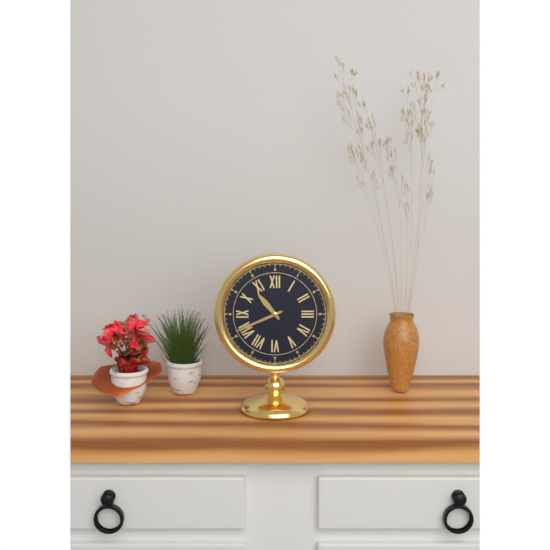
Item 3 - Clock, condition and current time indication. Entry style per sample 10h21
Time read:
10h41
